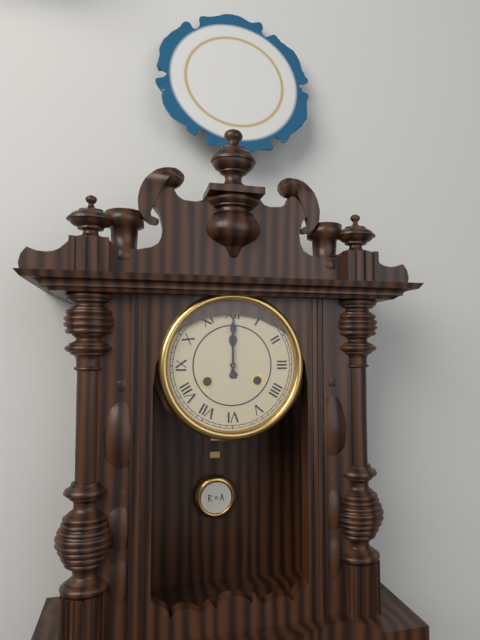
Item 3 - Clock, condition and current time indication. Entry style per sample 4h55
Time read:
12h00
